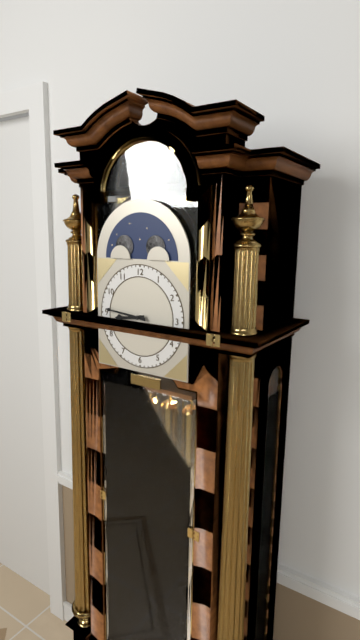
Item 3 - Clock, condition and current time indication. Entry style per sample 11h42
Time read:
8h46
